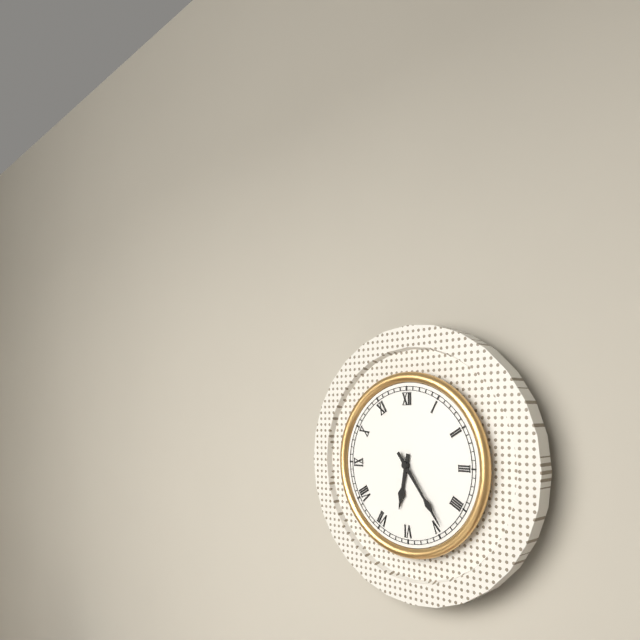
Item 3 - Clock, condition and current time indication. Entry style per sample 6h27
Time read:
6h24
